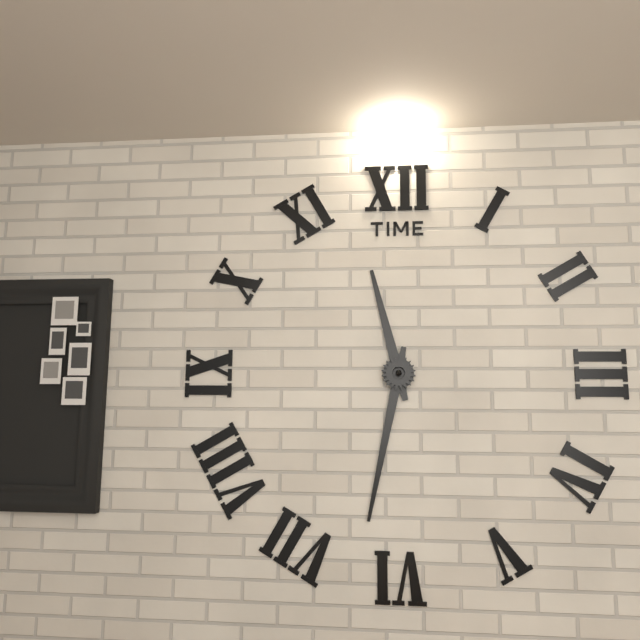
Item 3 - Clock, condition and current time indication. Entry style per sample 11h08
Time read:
11h32
